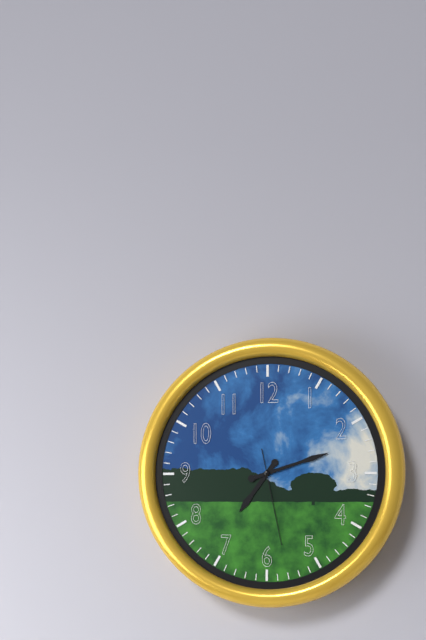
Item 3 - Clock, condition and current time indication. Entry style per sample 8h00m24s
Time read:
7h12m28s
